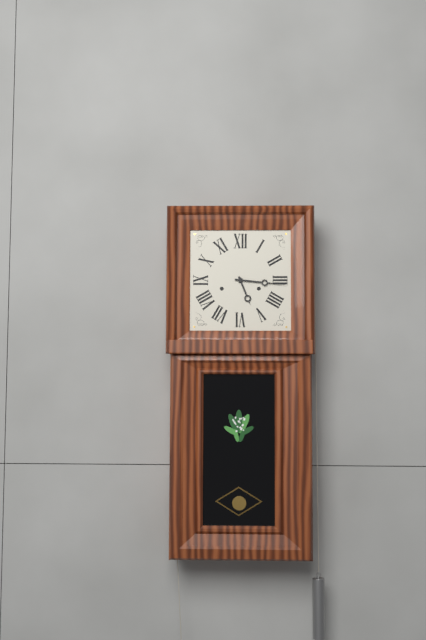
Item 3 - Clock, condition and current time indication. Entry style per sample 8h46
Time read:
5h16
